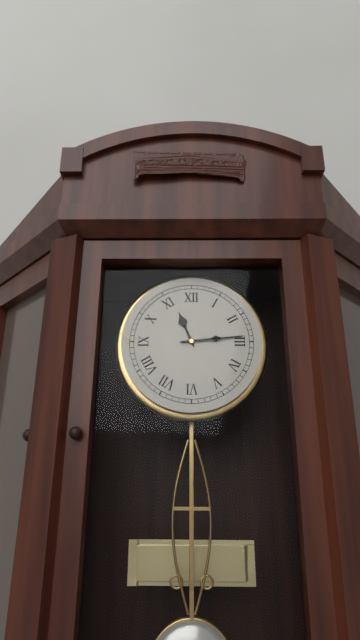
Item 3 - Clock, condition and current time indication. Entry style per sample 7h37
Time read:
11h14
